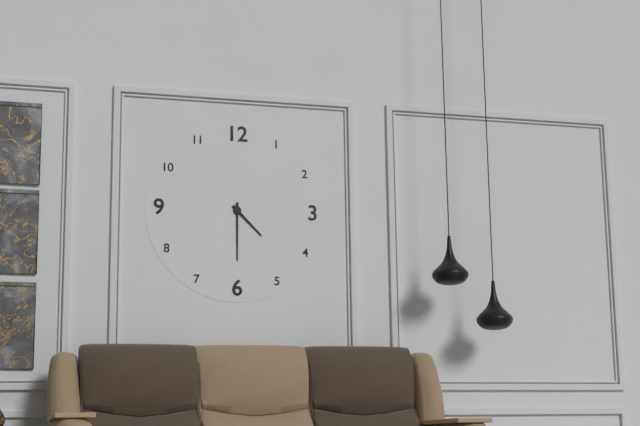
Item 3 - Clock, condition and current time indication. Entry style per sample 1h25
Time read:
4h30
